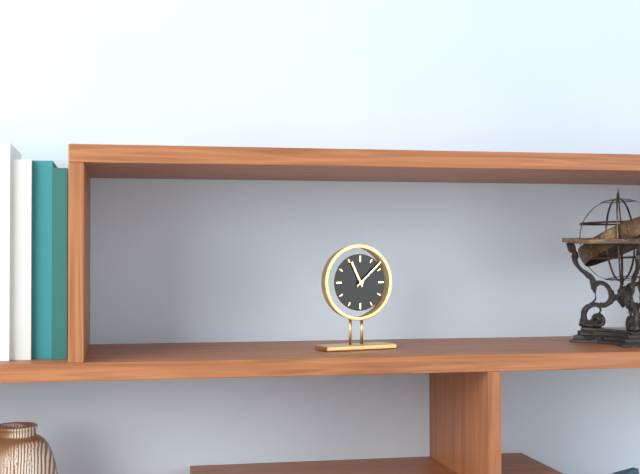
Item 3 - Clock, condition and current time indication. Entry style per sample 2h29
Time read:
11h08
